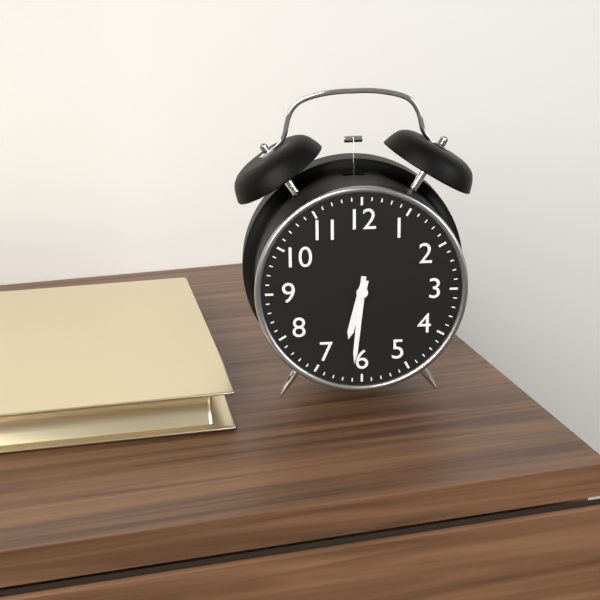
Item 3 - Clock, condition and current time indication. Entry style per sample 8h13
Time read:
6h31
